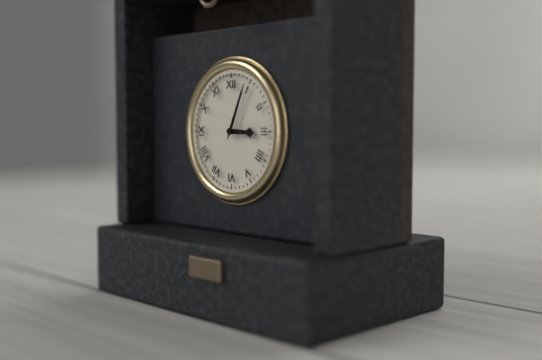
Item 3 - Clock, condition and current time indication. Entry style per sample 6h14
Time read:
3h04
